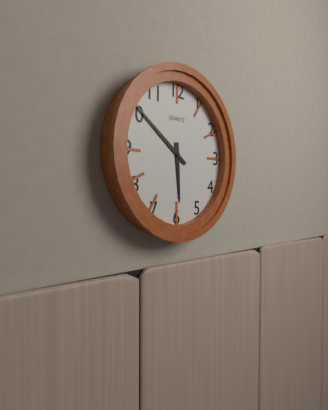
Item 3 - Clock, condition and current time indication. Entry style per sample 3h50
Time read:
5h51
